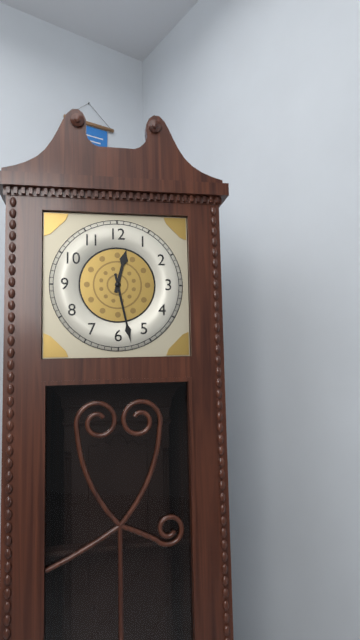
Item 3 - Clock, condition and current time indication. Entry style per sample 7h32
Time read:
12h28
